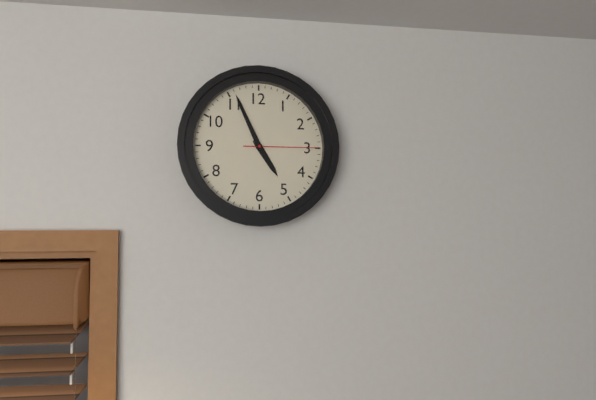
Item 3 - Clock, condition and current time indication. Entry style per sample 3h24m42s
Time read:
4h56m15s
